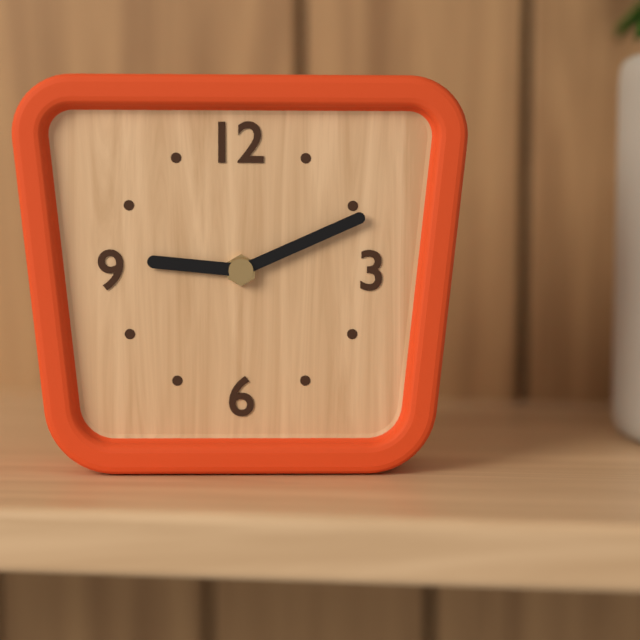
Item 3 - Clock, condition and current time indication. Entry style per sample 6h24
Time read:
9h11
